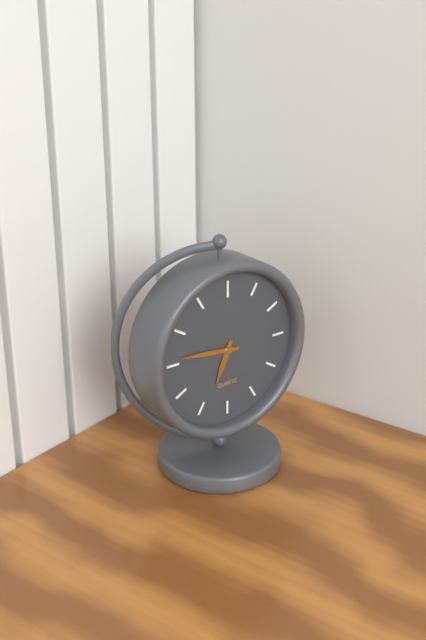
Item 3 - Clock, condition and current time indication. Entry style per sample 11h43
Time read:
6h46
